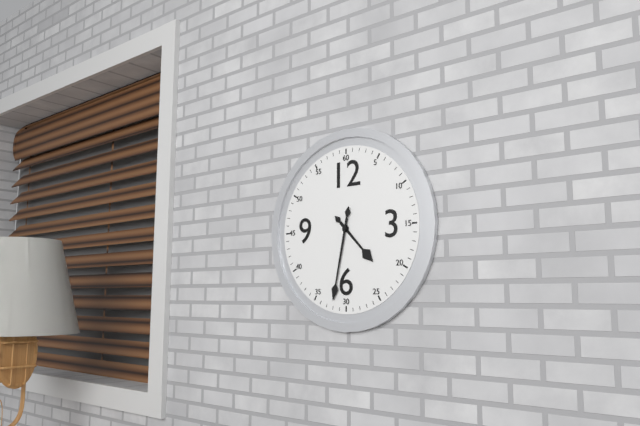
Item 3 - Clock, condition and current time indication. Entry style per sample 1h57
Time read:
4h32
